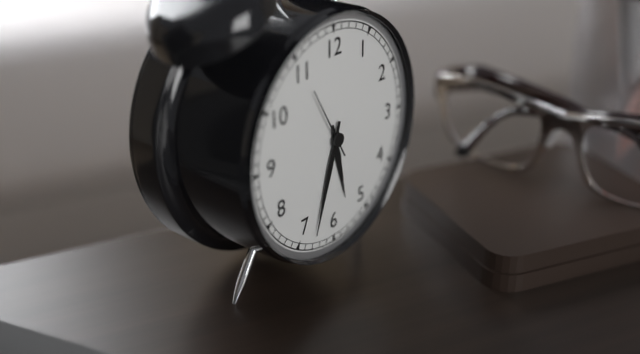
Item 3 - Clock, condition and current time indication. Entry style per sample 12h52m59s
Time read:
5h33m55s
